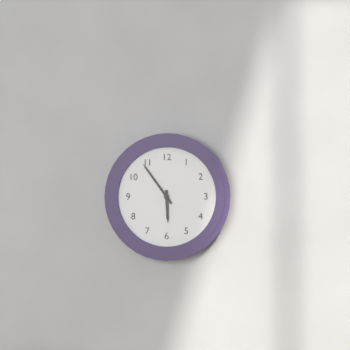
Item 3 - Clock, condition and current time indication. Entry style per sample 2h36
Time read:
5h54
